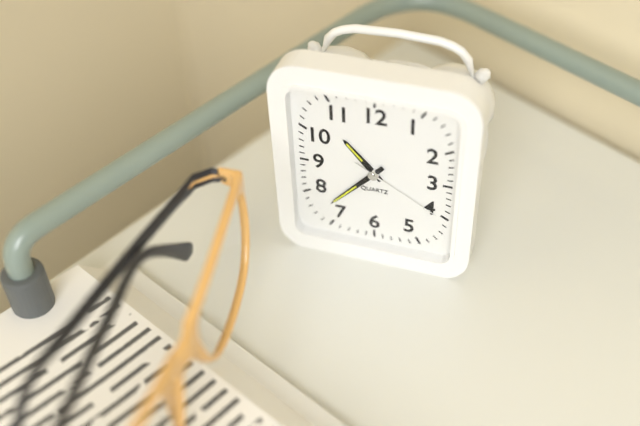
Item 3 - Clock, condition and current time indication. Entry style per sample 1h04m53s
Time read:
10h37m20s
